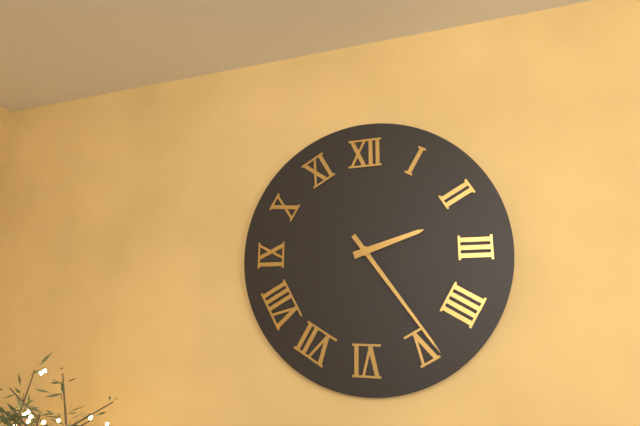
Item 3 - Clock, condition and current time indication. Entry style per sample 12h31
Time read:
2h24
